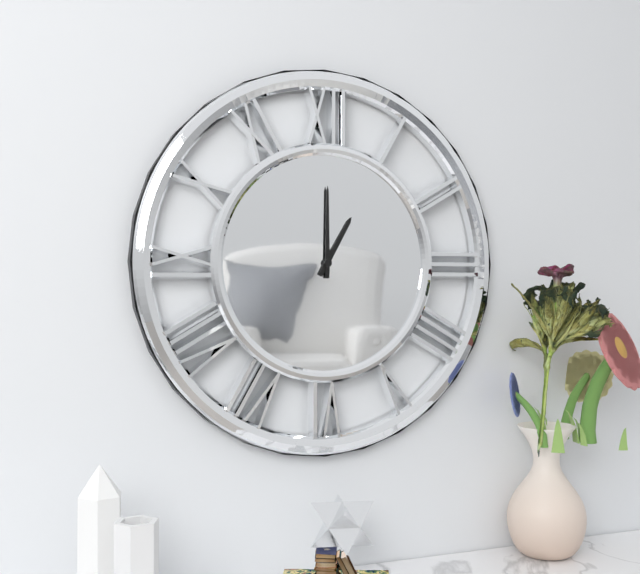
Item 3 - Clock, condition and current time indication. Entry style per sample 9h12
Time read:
1h00
